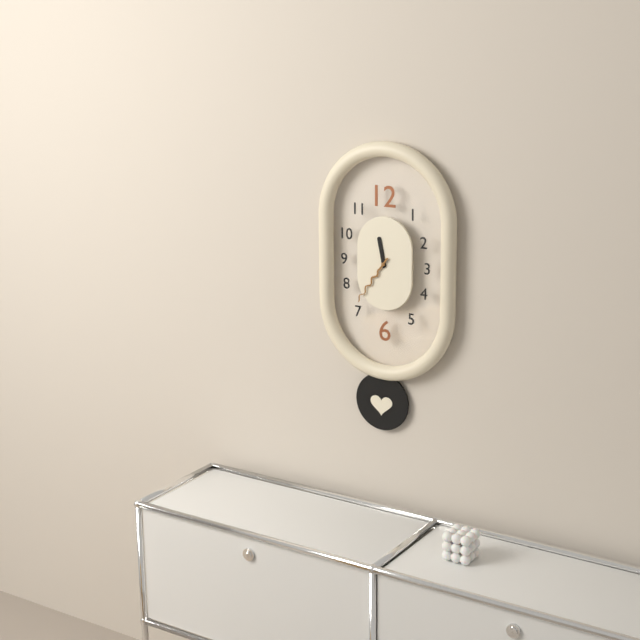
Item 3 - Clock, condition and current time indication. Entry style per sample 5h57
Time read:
11h36
